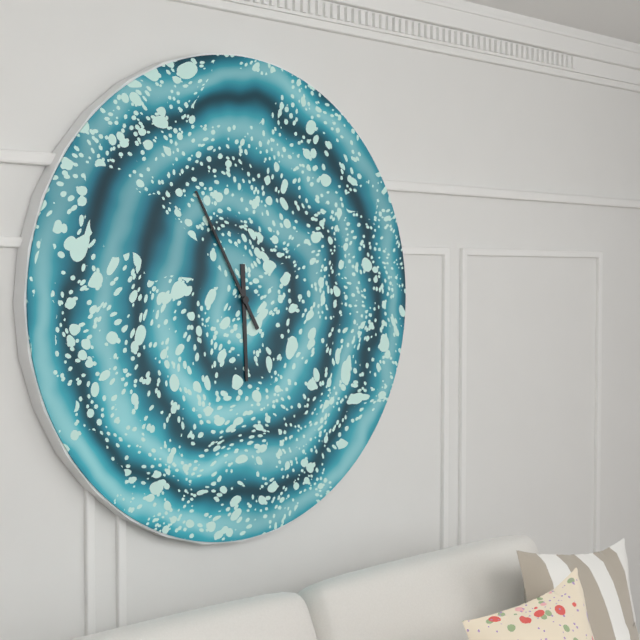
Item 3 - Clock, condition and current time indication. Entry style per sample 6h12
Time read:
5h55
